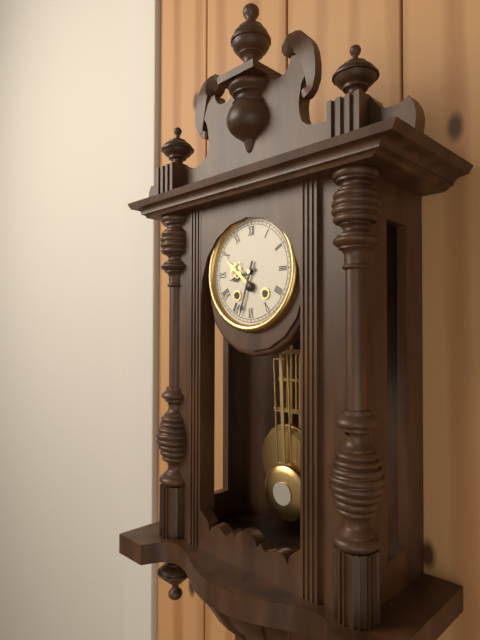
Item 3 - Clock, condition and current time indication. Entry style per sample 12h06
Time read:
8h33
